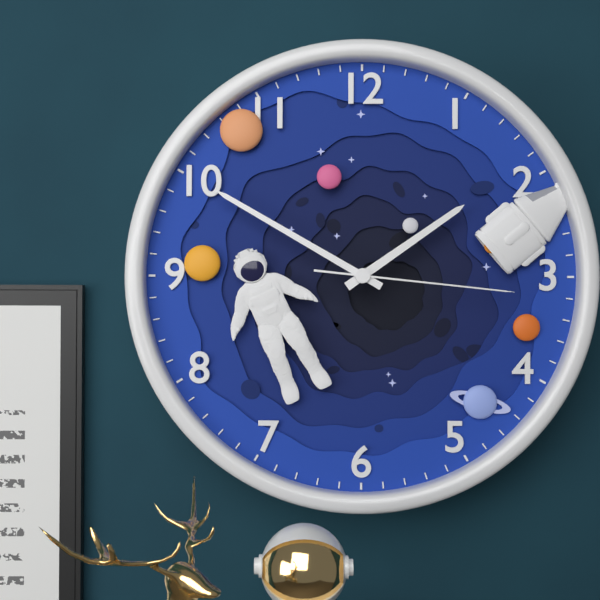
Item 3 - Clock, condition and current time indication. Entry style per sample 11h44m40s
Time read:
1h50m16s
